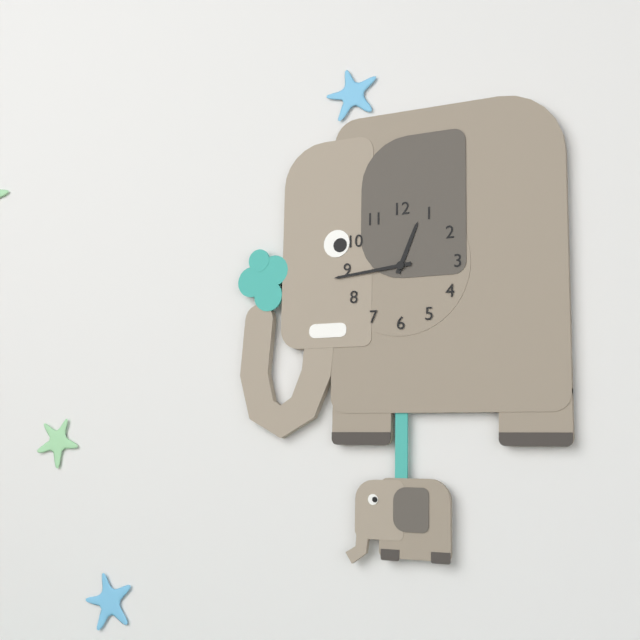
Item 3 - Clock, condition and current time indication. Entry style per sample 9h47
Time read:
12h44
